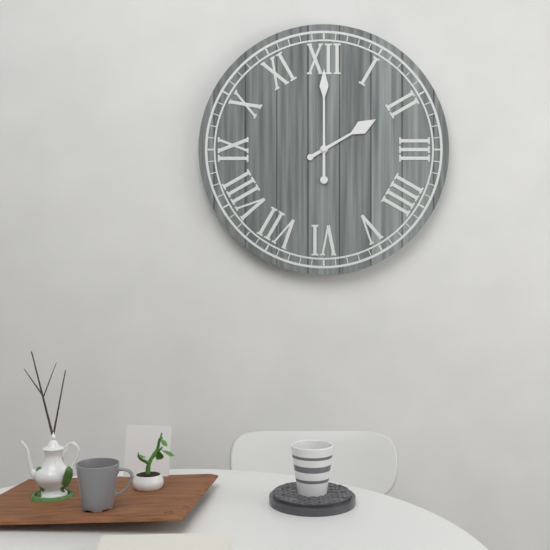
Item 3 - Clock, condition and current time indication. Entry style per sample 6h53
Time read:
2h00
